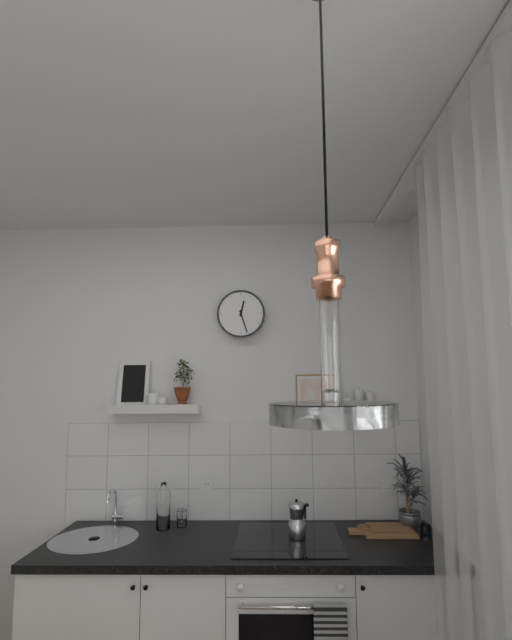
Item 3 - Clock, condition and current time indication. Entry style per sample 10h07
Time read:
12h27
